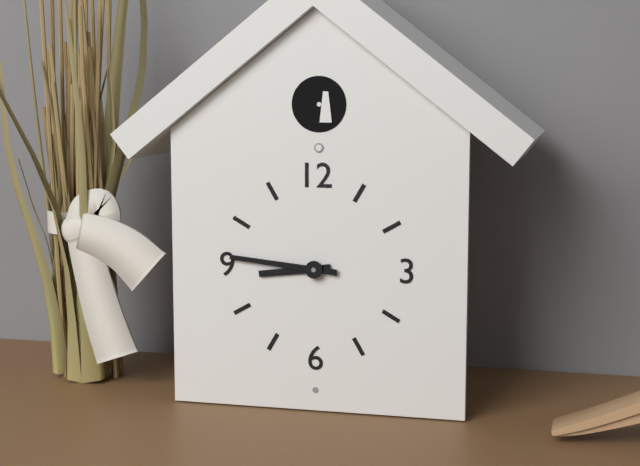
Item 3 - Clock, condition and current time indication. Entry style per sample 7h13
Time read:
8h46
